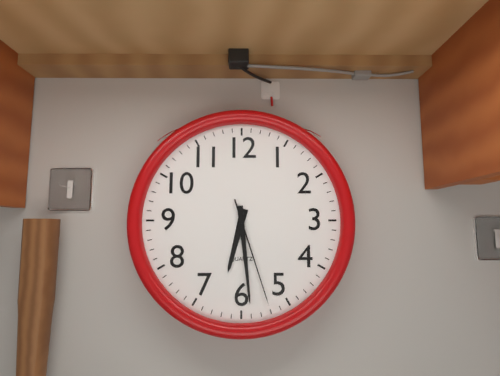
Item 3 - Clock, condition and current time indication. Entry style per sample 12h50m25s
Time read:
6h29m27s
